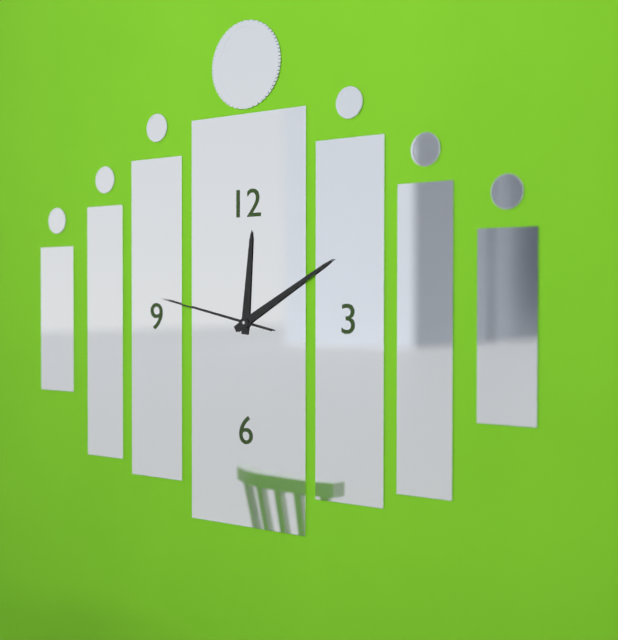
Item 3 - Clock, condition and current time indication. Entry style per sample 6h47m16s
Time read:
12h10m47s
